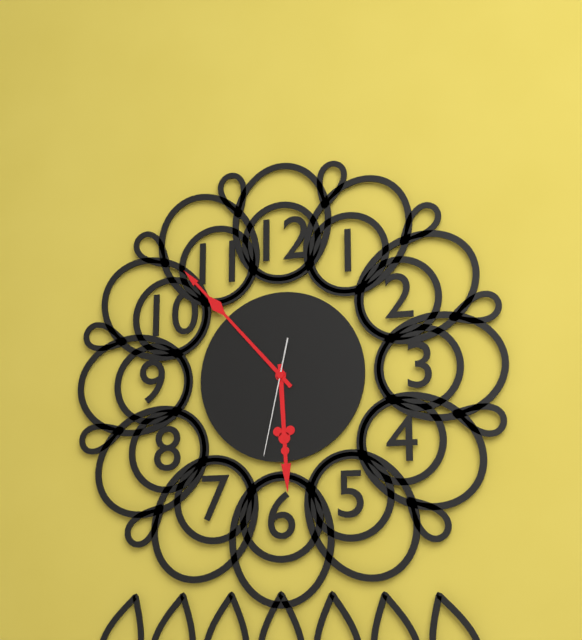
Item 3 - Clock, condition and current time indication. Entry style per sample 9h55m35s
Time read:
5h53m32s
